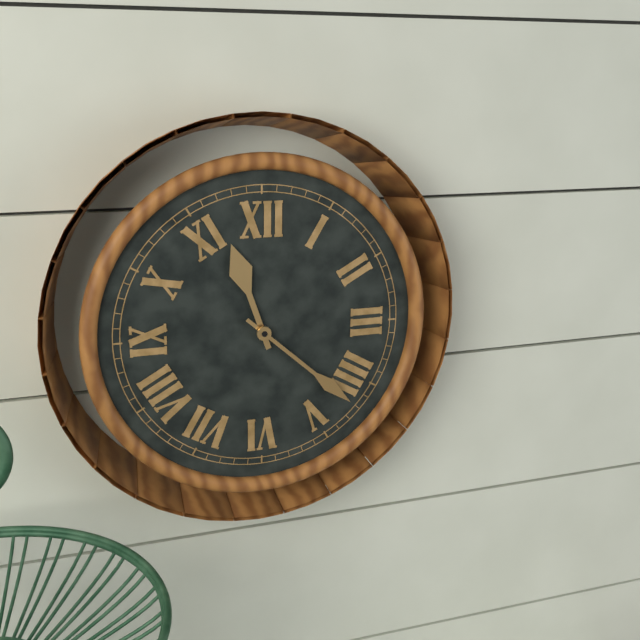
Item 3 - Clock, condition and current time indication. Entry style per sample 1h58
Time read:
11h22
